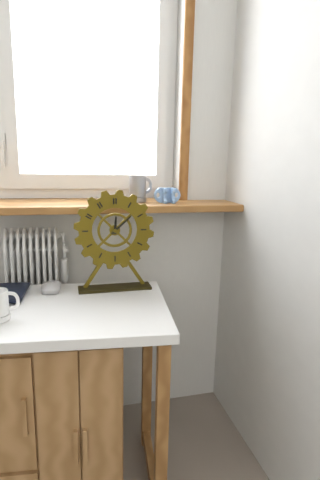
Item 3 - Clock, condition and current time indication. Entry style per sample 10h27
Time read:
12h08
